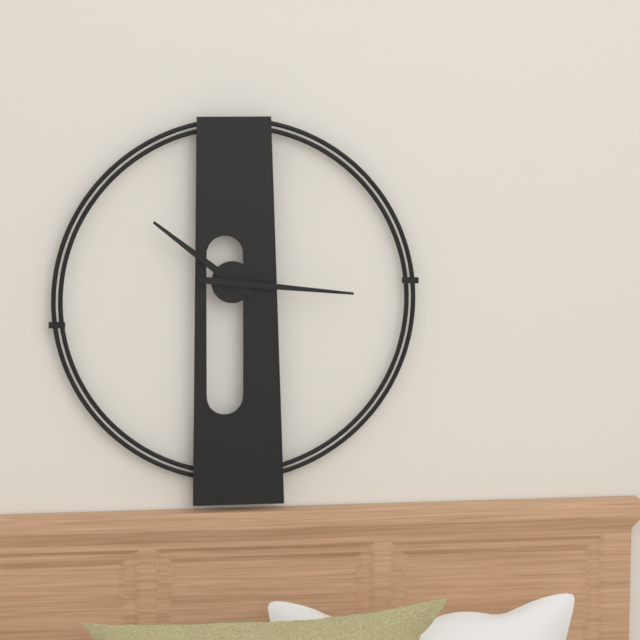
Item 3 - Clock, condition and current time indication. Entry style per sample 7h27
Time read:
10h16
